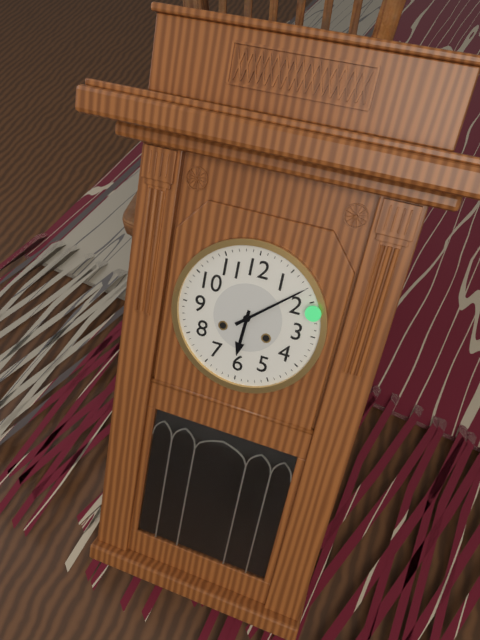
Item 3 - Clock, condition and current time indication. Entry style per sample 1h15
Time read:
6h08
